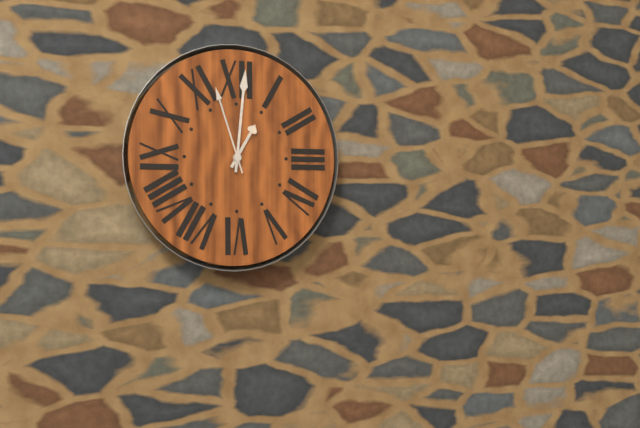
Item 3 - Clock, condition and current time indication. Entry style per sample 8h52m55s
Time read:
1h01m57s
